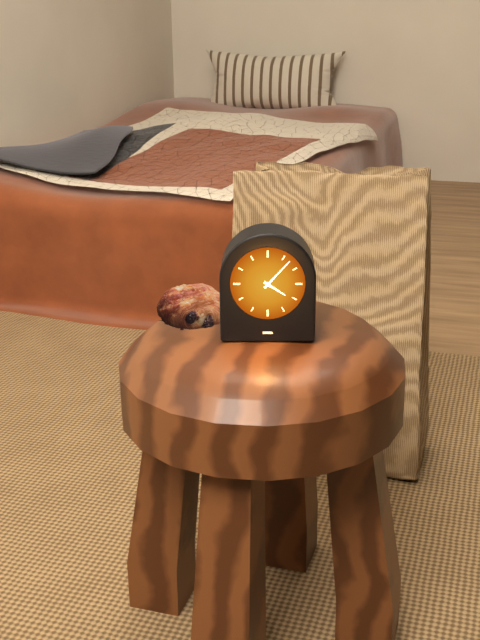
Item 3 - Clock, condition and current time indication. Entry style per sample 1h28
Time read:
4h07
